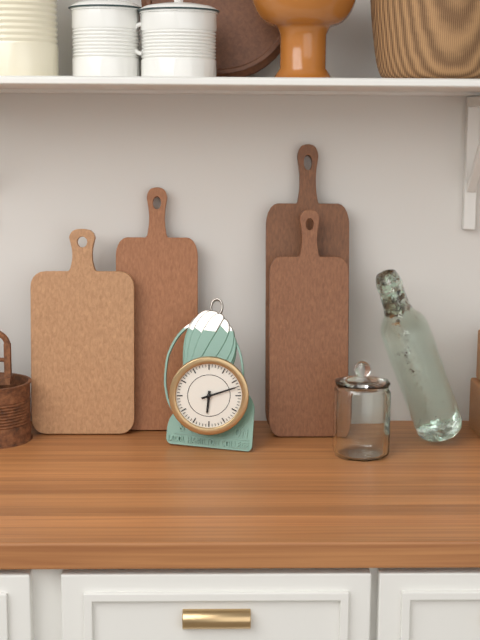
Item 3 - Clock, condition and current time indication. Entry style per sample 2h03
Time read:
6h12
